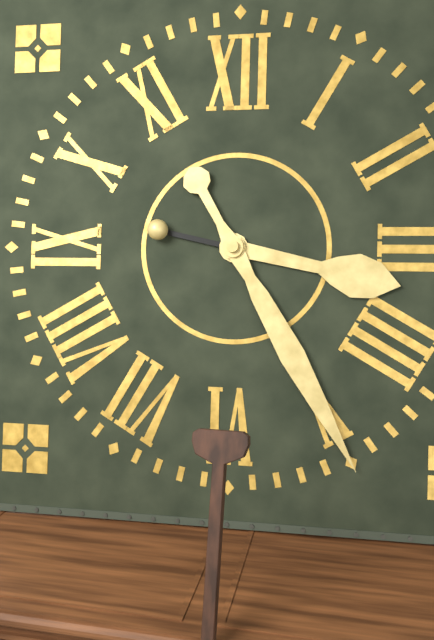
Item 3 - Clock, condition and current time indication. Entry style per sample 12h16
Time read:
3h25
